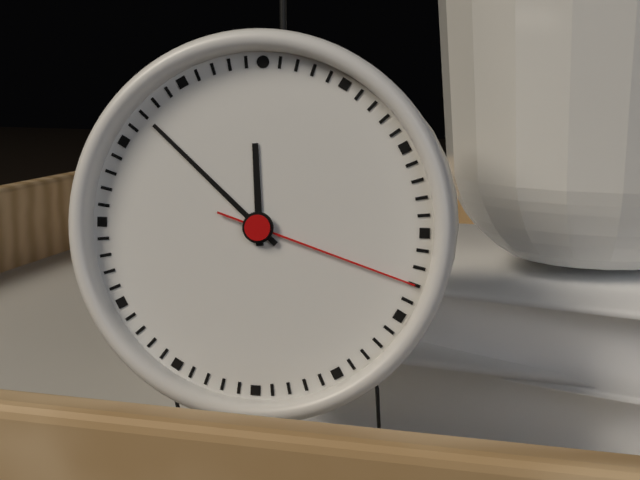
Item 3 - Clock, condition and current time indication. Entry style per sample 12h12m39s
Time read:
11h52m18s
